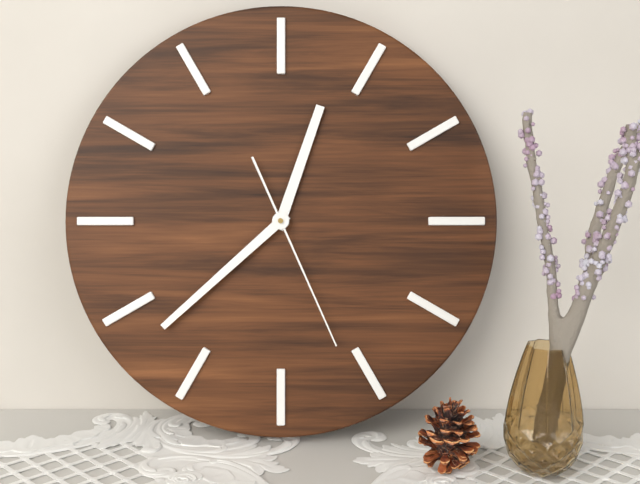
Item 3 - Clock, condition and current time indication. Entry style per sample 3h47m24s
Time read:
12h38m26s
